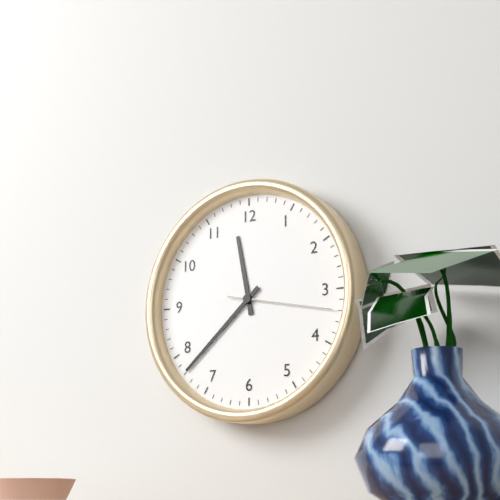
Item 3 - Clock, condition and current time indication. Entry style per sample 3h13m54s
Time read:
11h38m17s
